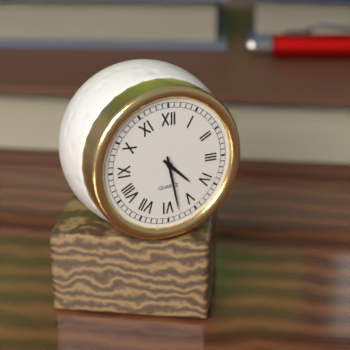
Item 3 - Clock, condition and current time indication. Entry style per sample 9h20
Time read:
4h28
